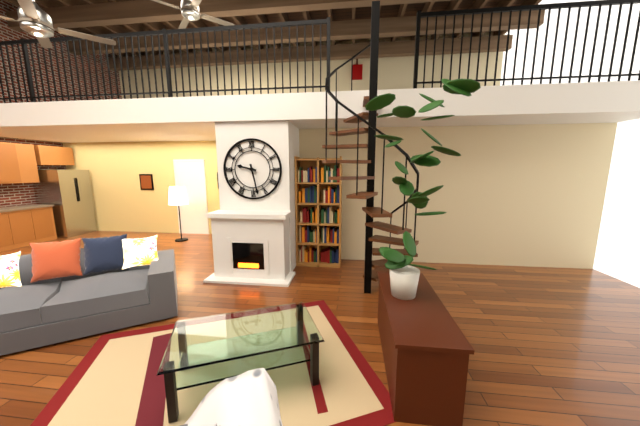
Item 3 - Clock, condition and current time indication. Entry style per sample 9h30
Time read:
9h28
